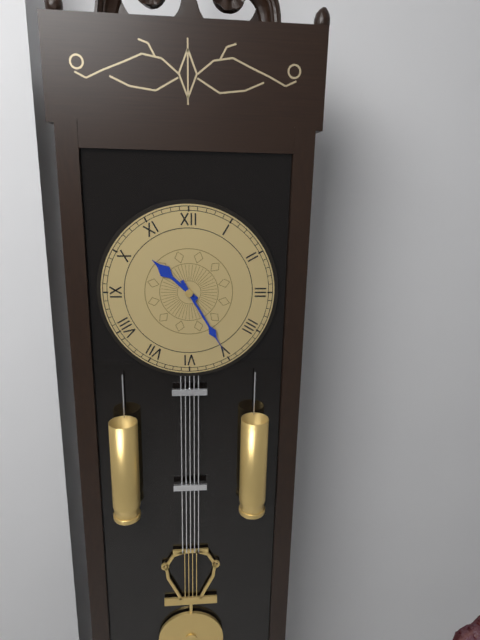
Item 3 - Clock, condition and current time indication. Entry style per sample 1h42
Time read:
10h25
